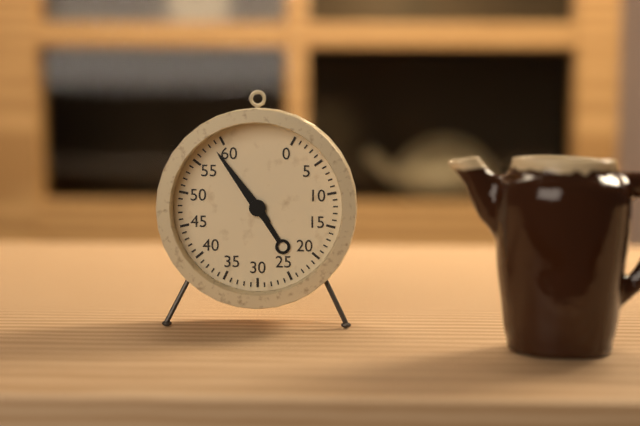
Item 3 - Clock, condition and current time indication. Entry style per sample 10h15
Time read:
4h54
